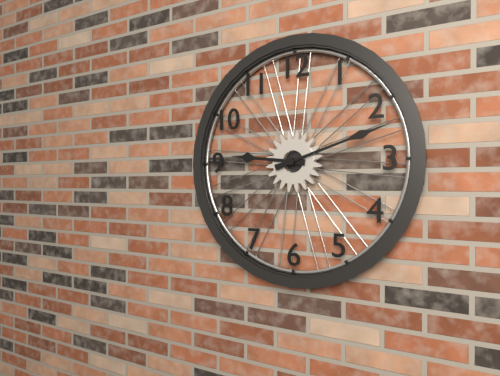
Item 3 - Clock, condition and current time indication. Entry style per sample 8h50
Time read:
9h12
